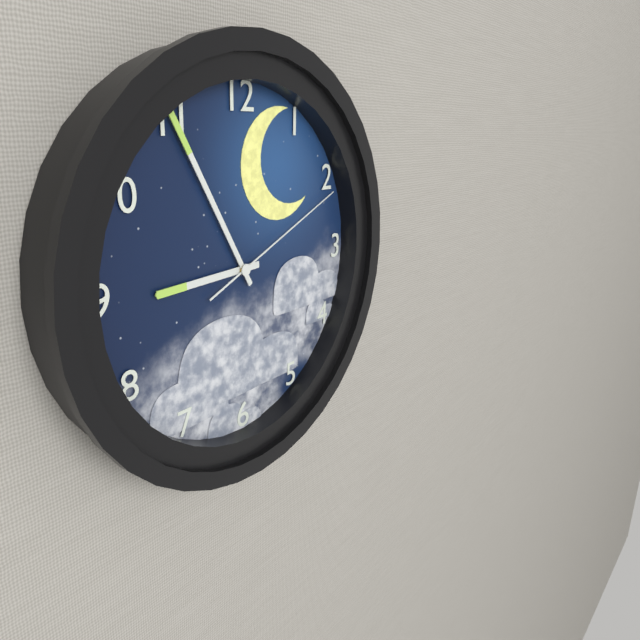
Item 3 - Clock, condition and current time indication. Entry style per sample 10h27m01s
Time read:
8h55m11s
